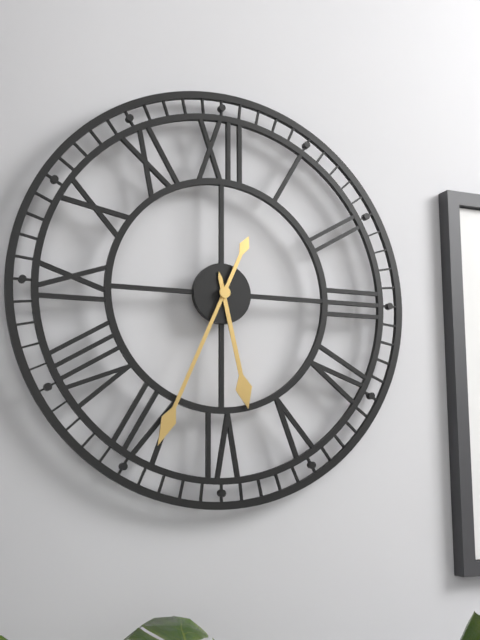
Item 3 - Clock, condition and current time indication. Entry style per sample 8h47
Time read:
5h34
